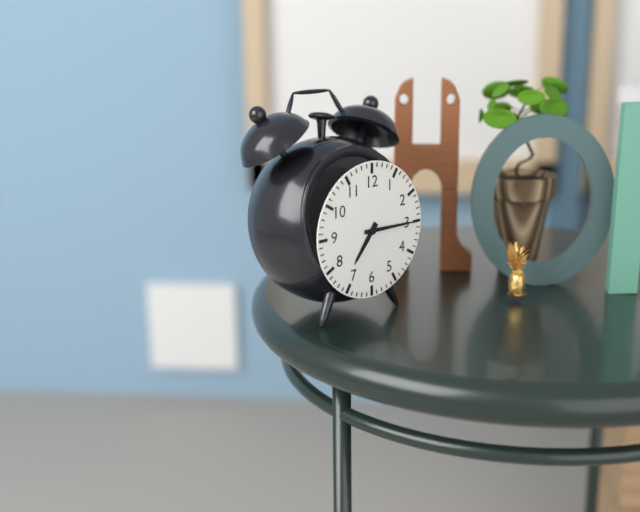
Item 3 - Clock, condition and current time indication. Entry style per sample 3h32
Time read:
7h15
